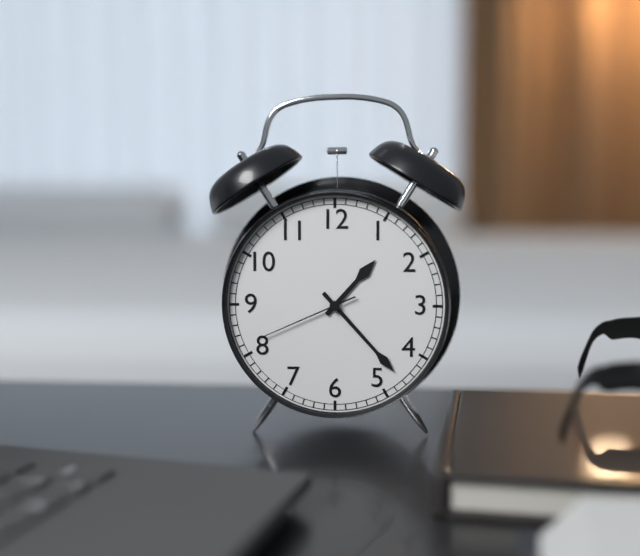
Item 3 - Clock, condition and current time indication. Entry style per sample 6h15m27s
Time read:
1h23m41s
